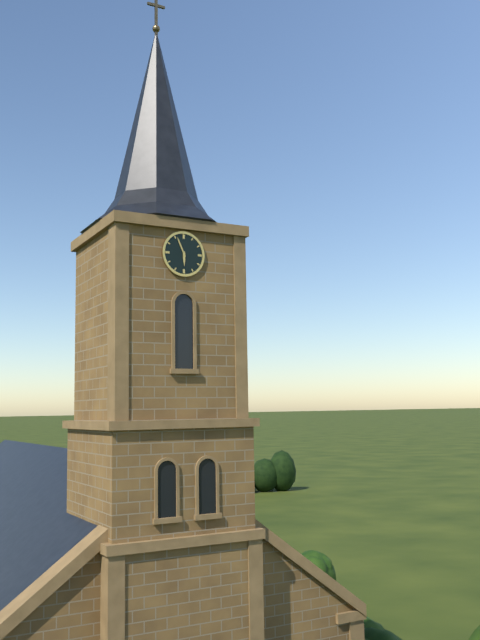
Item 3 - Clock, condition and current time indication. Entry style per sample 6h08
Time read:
5h56
